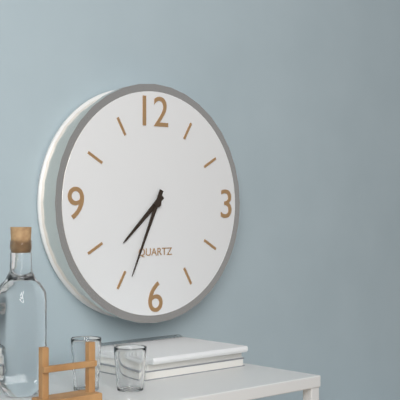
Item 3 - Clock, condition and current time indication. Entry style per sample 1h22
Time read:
7h34
